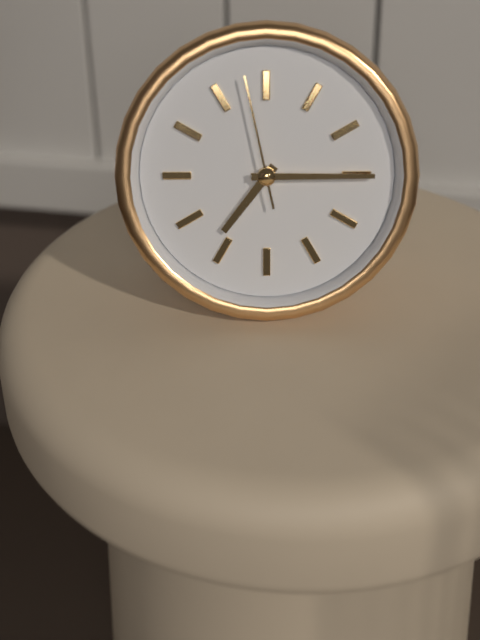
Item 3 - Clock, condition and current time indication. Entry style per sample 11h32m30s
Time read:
7h15m58s
